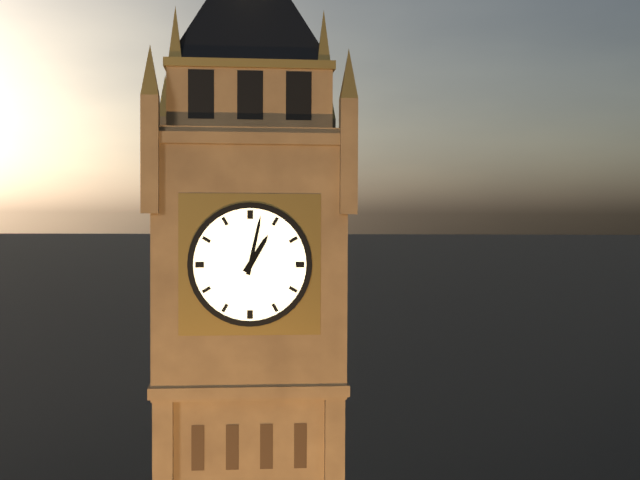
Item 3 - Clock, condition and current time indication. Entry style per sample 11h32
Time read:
1h02
